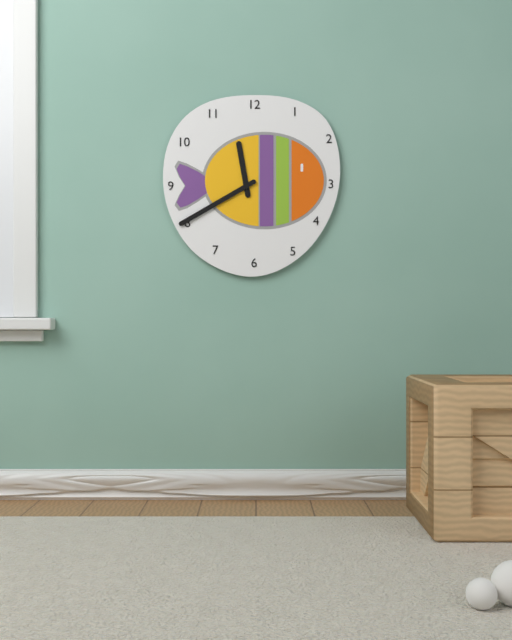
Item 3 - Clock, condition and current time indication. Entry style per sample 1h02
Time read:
11h40
